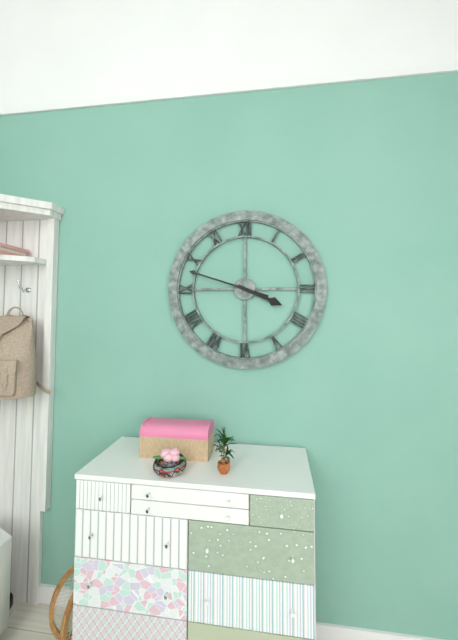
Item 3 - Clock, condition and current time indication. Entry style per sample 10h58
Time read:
3h48
